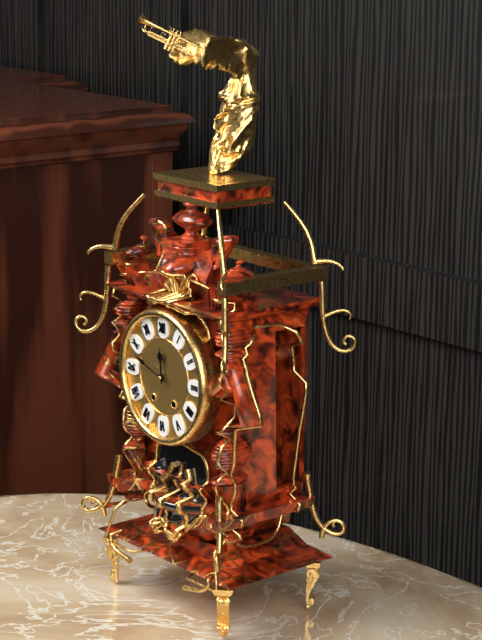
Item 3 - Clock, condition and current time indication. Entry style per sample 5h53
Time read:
11h48
